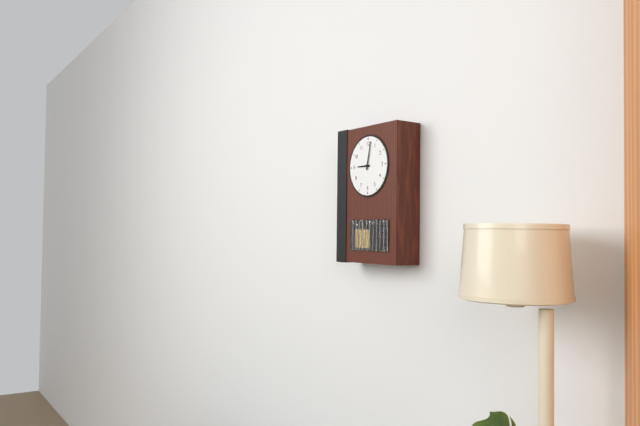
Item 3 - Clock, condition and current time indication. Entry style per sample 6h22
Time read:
9h02
